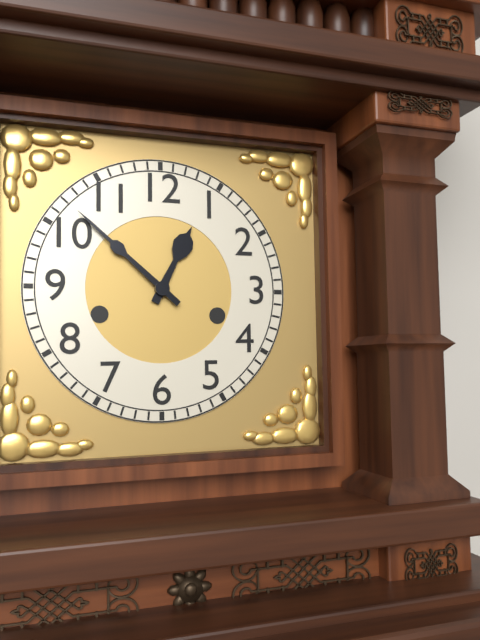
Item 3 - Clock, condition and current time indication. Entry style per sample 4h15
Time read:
12h52
